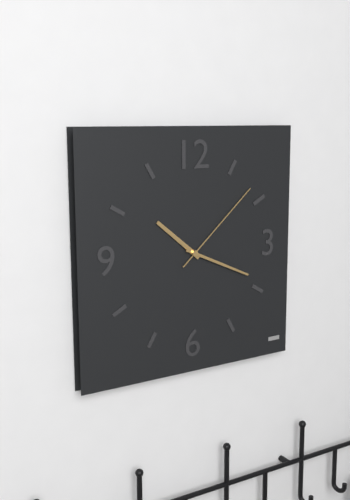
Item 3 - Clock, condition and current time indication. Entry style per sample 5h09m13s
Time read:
10h19m08s
